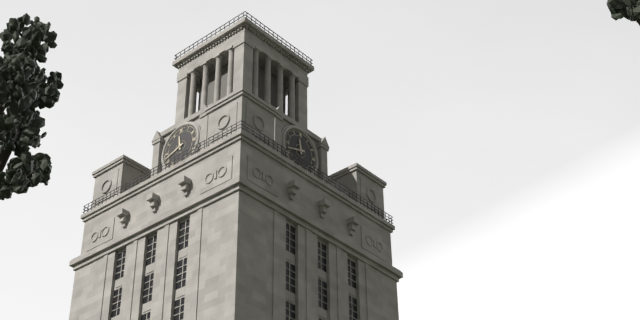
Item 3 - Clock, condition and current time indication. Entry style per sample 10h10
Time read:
11h42
